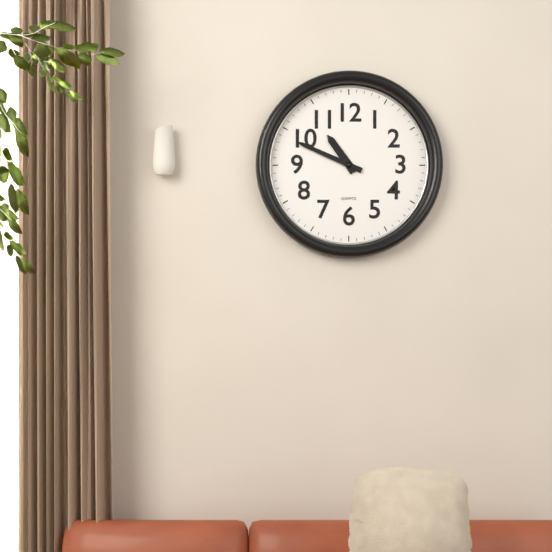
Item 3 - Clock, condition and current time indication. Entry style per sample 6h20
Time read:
10h49
